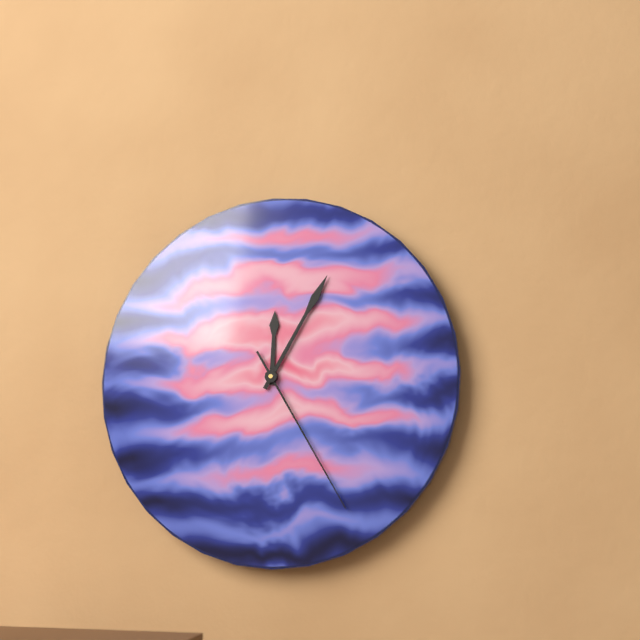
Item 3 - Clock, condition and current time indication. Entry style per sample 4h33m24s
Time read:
12h05m25s
